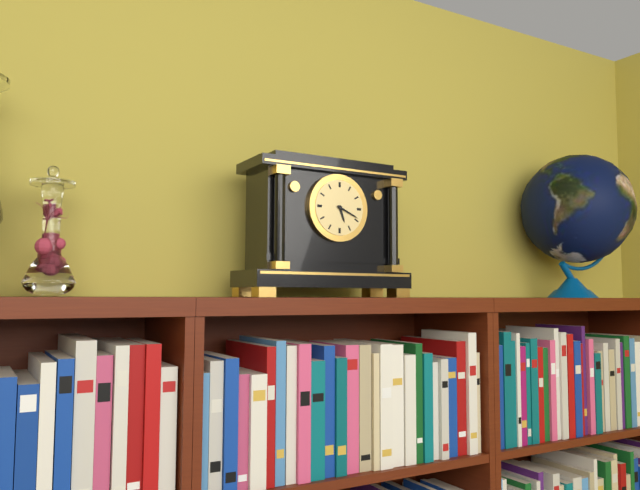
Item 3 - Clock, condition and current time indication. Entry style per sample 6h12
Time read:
5h19
